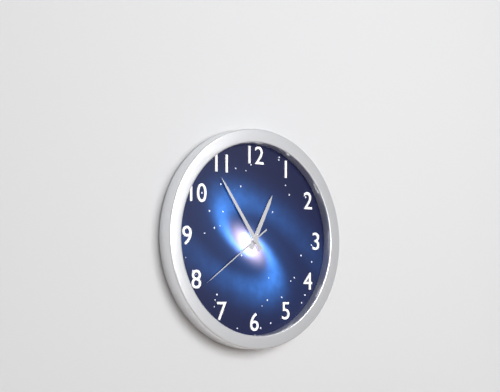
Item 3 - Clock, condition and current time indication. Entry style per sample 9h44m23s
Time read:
12h54m39s
